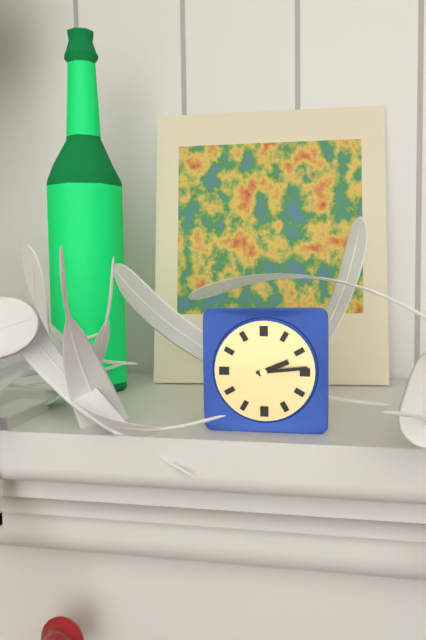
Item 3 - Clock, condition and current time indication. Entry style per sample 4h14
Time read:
2h14
